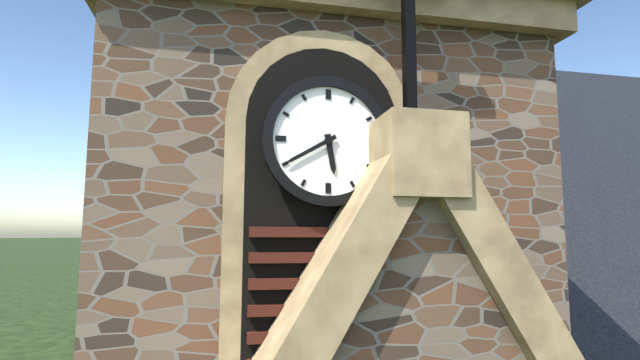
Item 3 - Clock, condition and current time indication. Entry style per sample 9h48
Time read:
5h40
